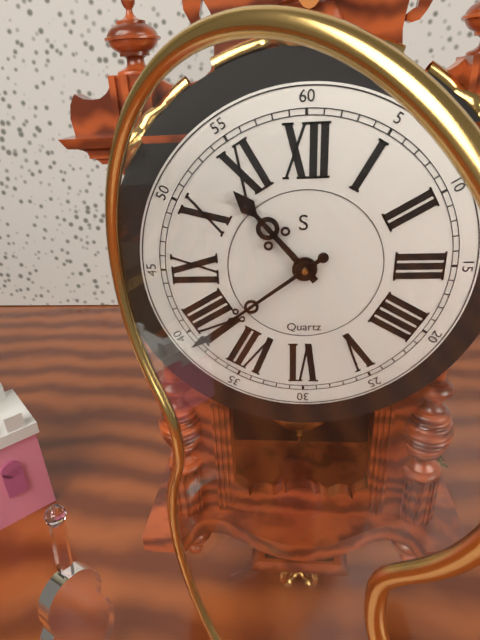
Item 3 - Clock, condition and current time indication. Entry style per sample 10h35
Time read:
10h39
